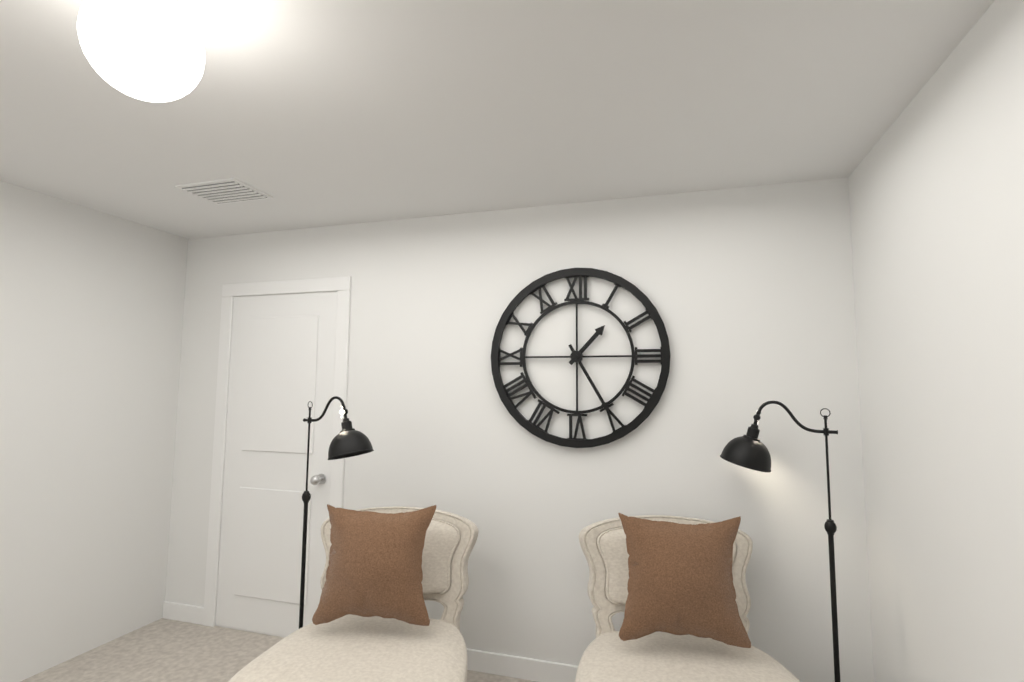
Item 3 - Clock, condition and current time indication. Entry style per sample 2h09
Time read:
1h25
